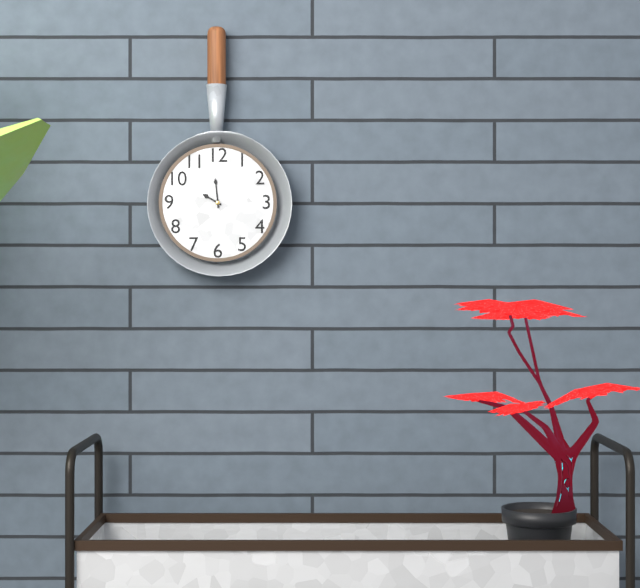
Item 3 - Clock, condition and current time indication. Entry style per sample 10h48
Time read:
9h59
